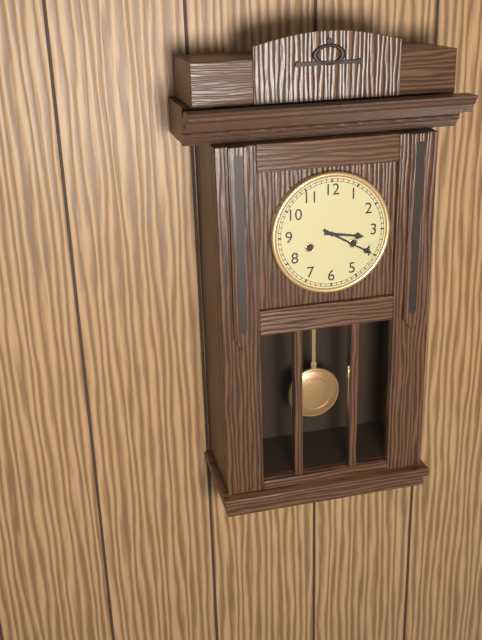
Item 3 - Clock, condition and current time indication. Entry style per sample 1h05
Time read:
3h20
